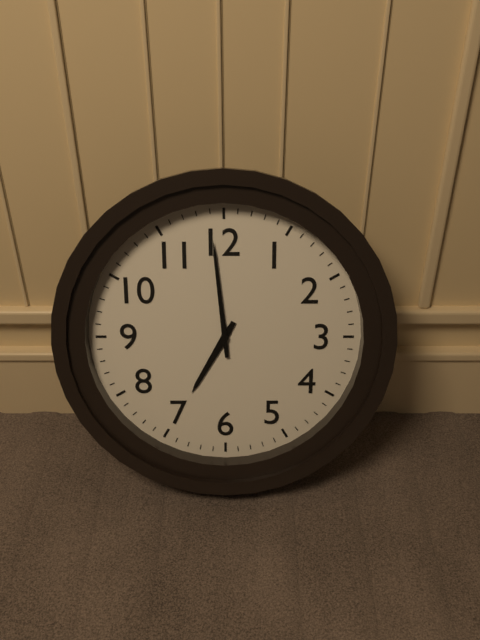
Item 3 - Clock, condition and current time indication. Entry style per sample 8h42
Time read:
6h59
